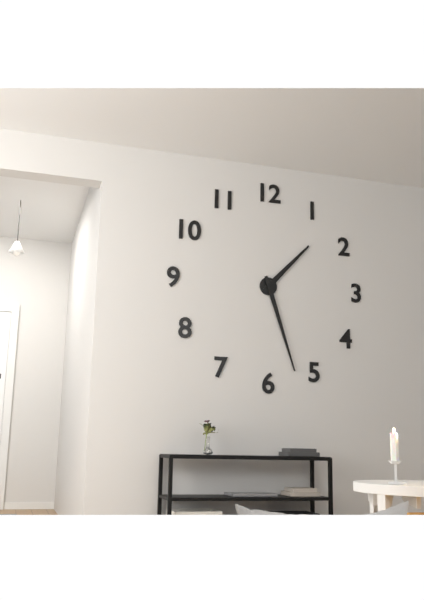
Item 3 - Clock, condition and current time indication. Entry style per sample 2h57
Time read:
1h27
